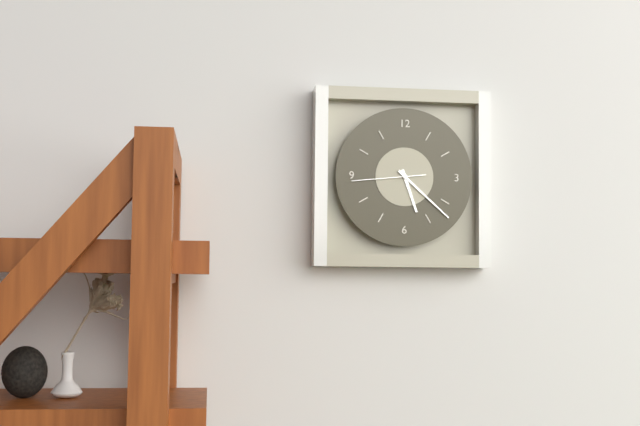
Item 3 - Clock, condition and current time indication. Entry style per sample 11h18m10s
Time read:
5h22m44s
